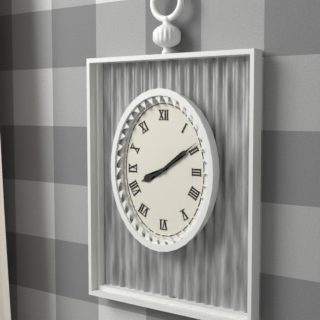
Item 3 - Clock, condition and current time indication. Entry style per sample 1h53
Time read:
8h09
